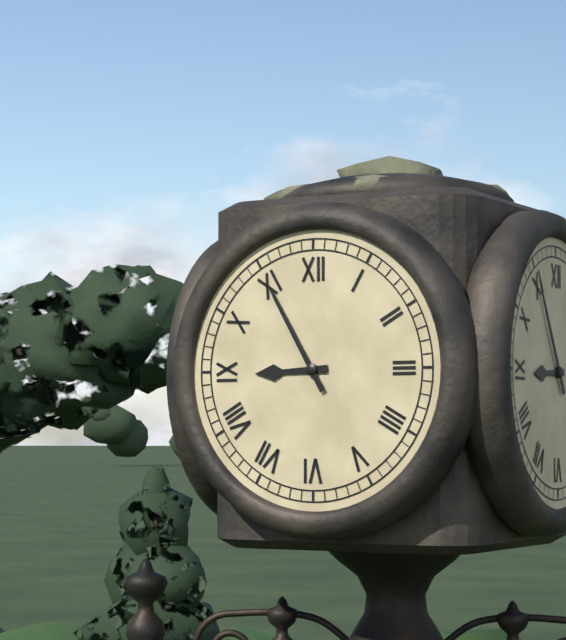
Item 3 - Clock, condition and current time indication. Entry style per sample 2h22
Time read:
8h55
